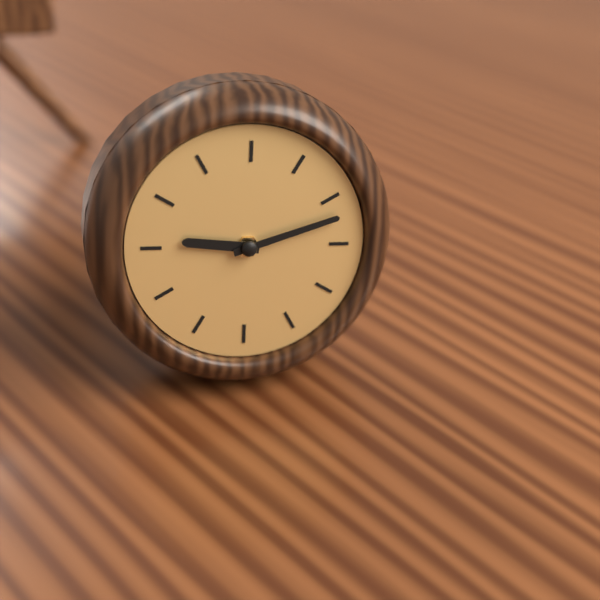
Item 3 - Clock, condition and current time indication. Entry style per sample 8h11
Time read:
9h12
